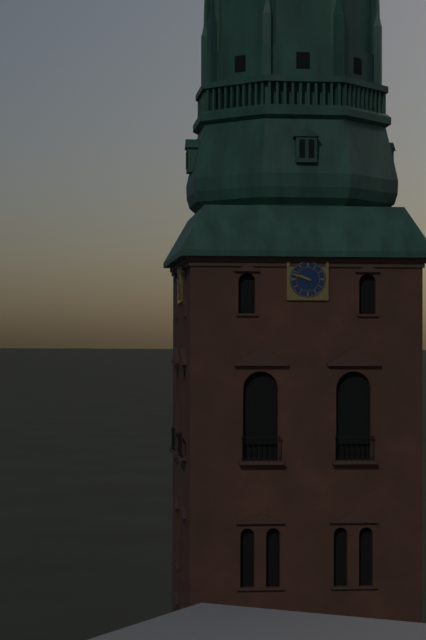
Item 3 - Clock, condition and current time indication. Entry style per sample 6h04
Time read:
9h48
